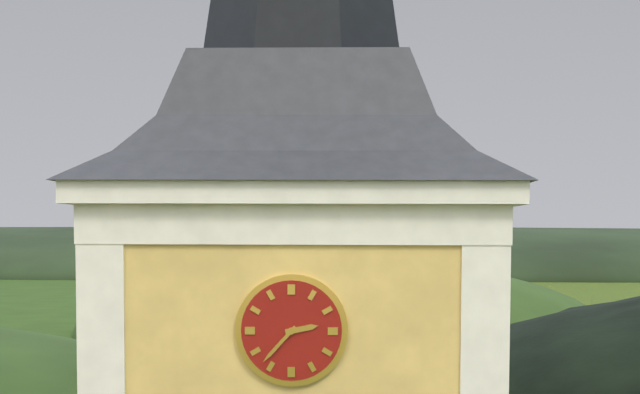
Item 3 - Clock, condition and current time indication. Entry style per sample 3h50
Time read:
2h37
